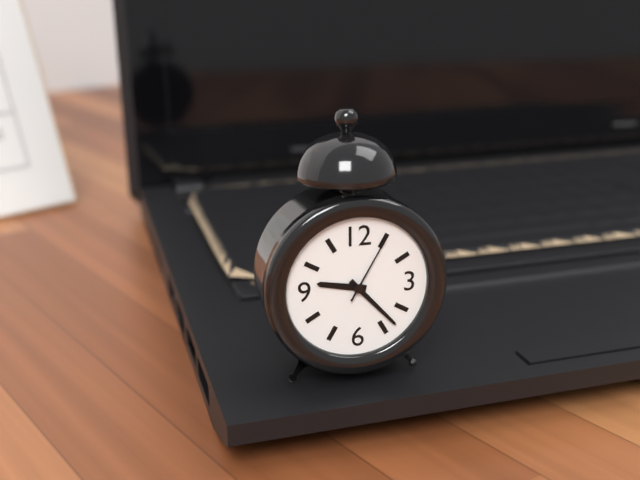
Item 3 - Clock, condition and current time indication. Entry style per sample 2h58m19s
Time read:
9h23m05s
